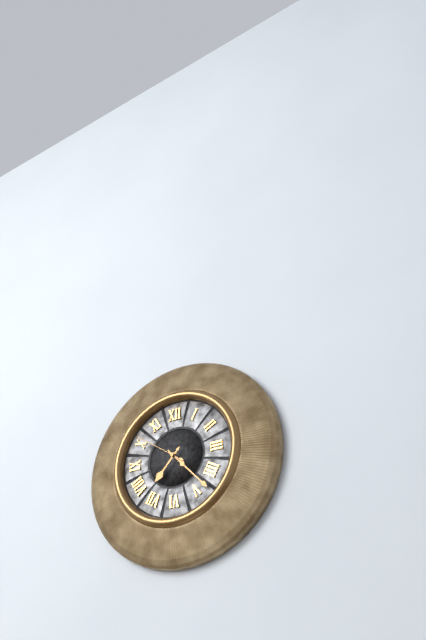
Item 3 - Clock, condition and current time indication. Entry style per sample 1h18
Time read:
7h23
